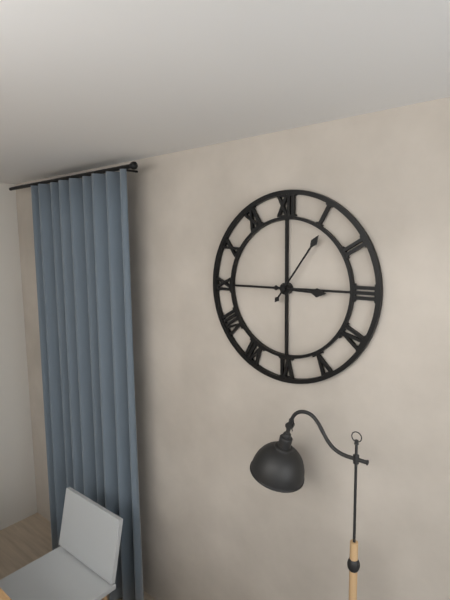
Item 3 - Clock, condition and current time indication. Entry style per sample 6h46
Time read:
3h06
